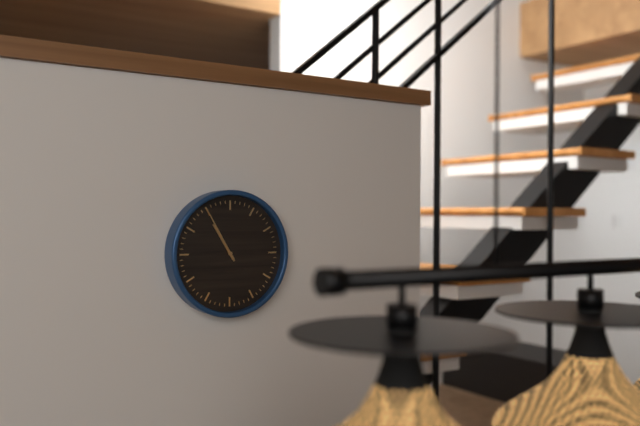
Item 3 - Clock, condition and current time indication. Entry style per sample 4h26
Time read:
10h55
